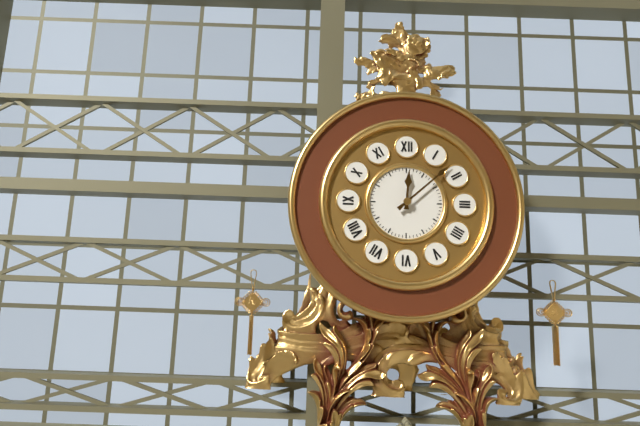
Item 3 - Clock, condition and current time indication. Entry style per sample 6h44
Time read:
12h08
